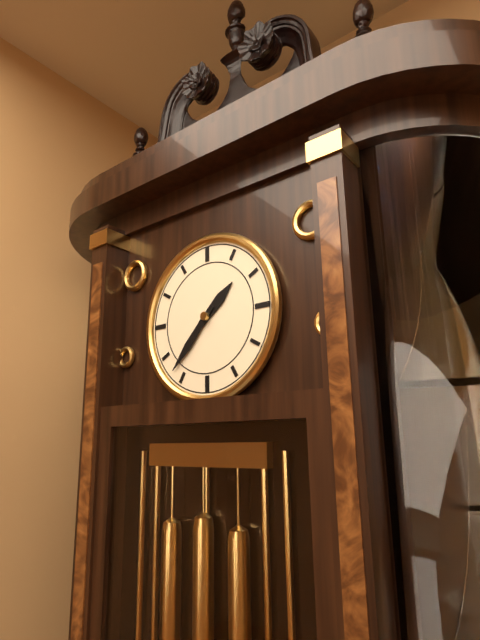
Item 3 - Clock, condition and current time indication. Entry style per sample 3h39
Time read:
1h37
